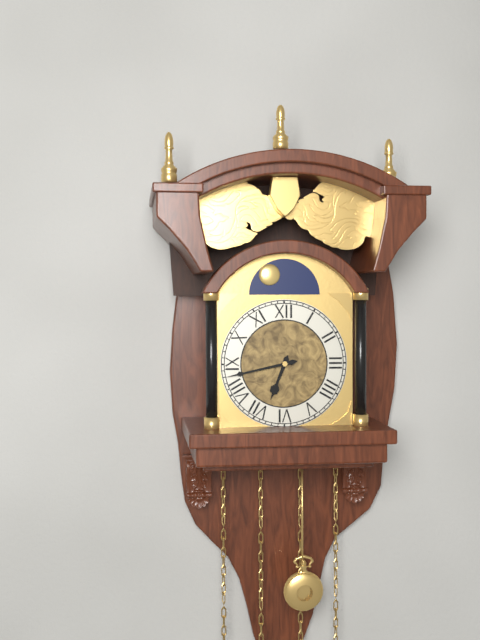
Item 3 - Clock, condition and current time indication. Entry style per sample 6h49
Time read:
6h43
